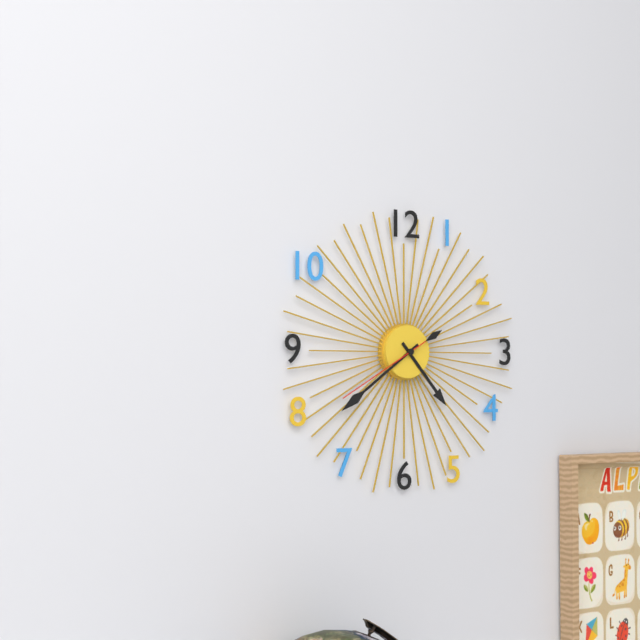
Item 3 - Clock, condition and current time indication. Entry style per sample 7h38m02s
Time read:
4h39m40s
